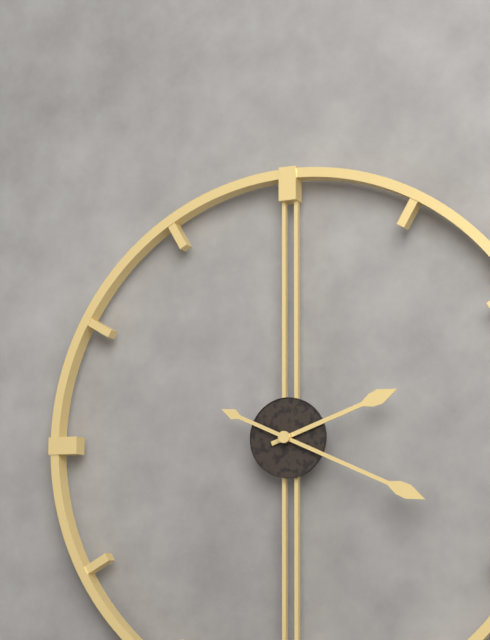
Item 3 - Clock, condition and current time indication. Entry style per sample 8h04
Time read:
2h19
